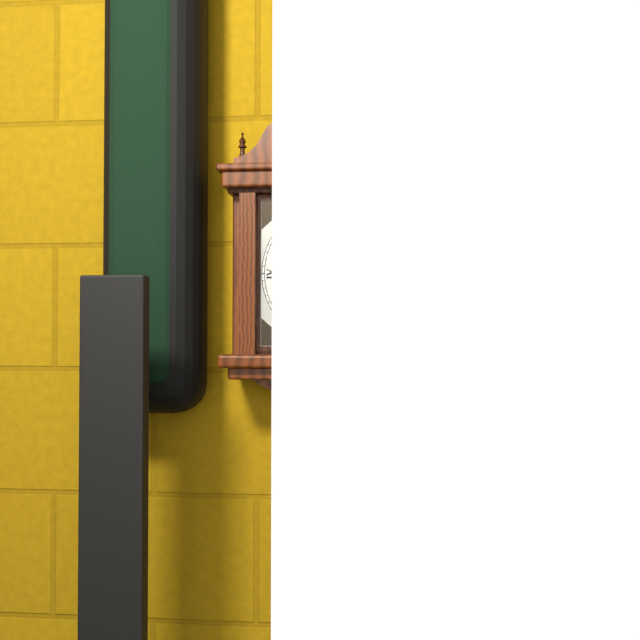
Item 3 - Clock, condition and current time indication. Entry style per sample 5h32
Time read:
10h47
